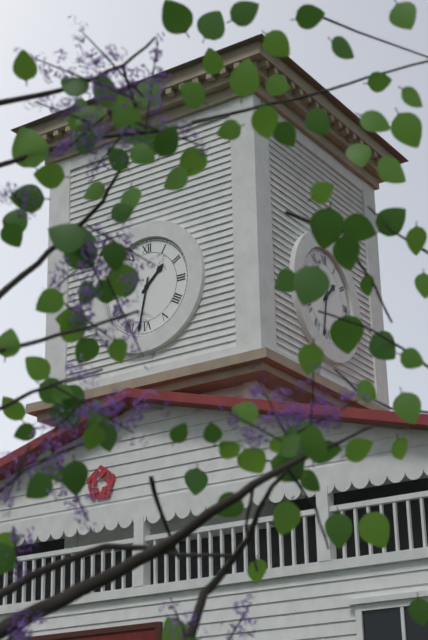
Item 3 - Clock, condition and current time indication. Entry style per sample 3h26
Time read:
1h32
